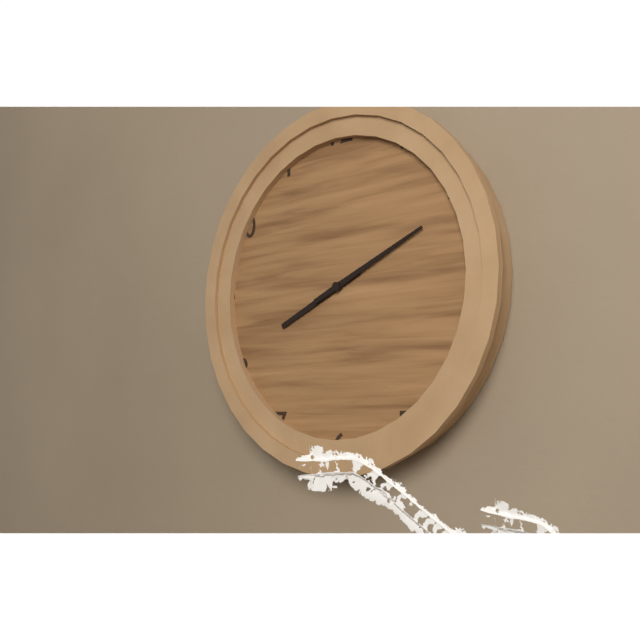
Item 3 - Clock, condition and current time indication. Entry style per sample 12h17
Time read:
8h11
